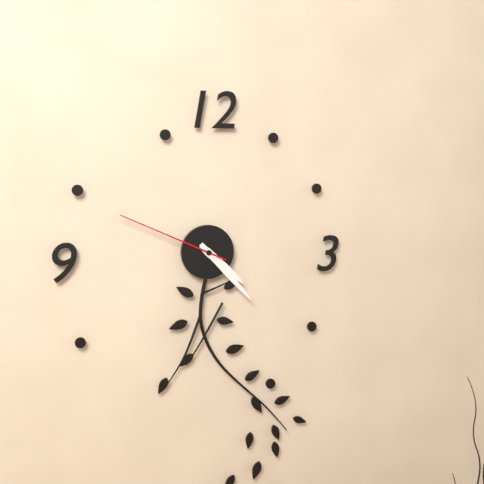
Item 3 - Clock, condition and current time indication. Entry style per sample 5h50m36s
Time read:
4h23m49s
